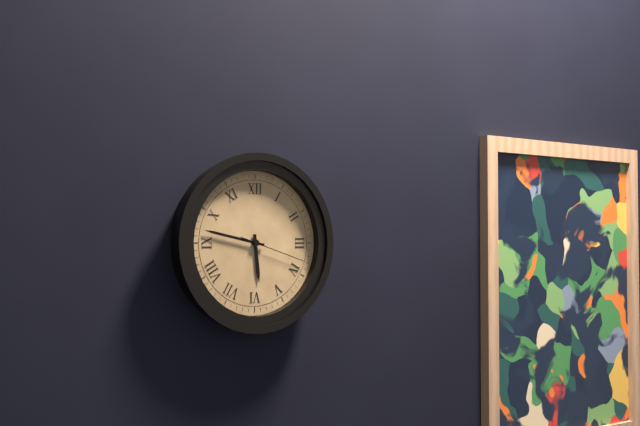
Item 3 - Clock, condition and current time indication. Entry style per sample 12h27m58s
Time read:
5h47m18s
